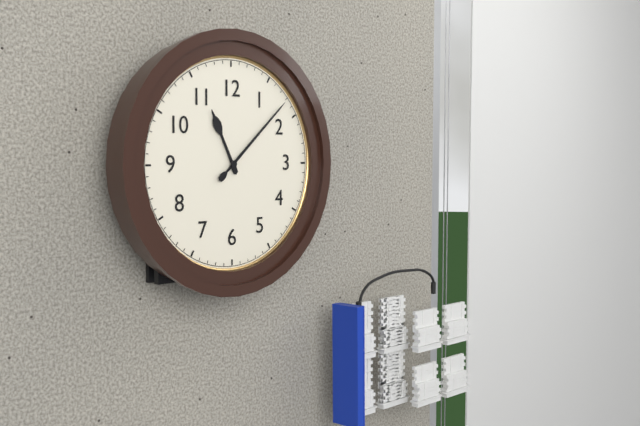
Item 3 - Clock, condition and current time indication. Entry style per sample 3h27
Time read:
11h08
